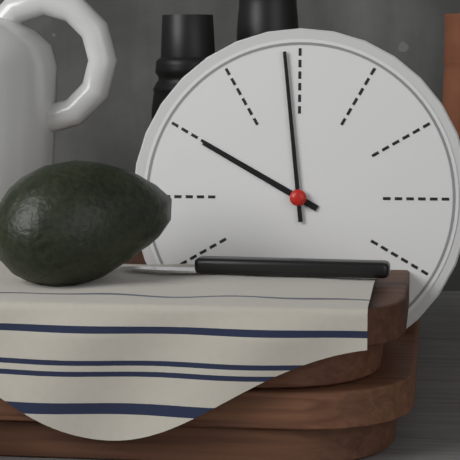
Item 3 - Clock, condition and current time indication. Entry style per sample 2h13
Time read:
9h59
